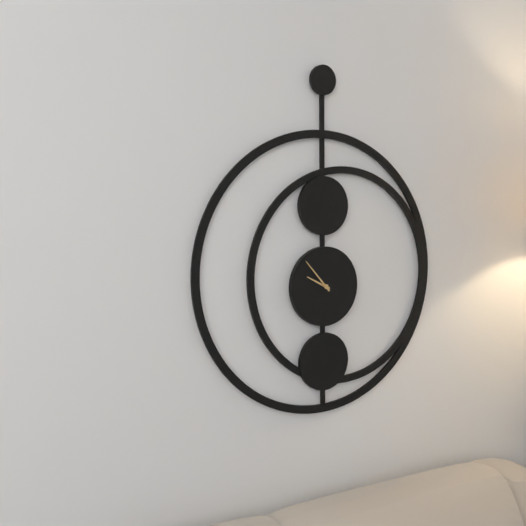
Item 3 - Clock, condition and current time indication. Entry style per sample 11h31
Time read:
9h53
